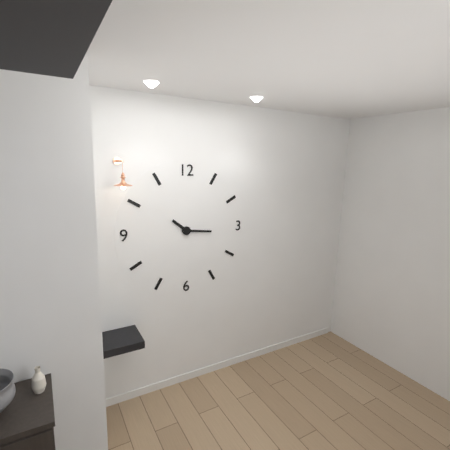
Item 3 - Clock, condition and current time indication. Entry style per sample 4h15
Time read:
10h16
